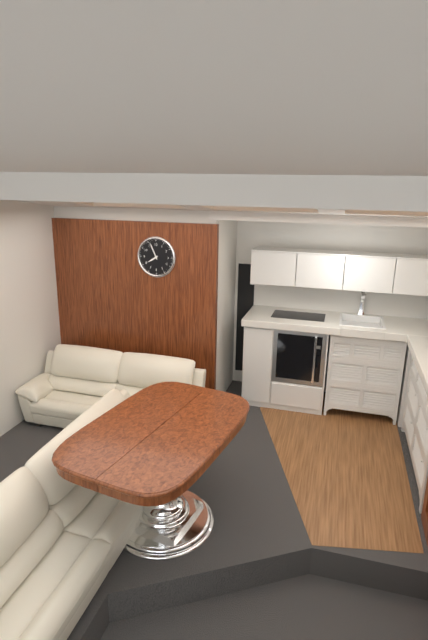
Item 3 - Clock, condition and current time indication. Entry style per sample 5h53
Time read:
7h56
